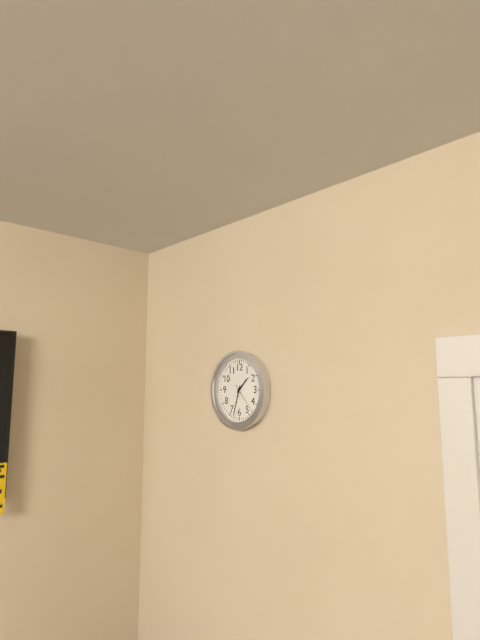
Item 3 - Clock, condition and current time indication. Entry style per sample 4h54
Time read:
1h33
